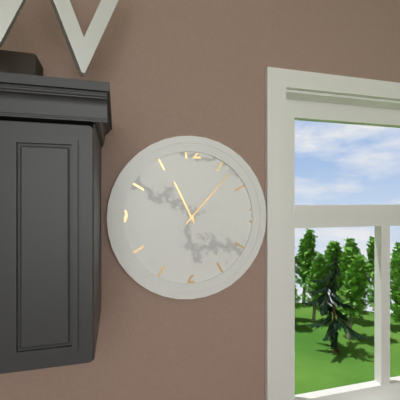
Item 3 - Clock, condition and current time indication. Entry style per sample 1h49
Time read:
11h07
